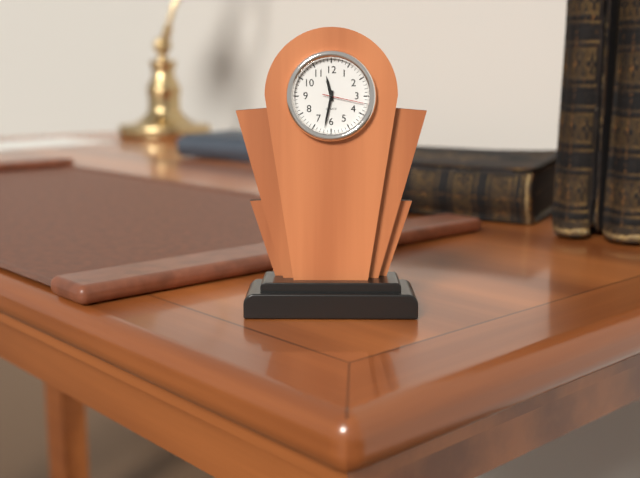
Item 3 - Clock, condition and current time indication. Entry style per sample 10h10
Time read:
11h32
